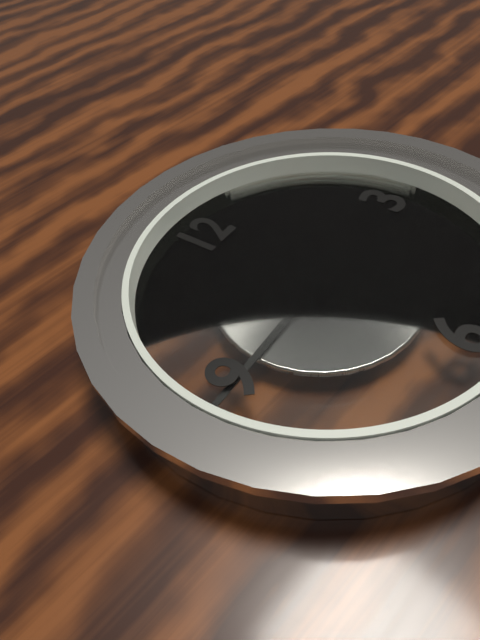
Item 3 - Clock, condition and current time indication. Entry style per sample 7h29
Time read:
11h45
